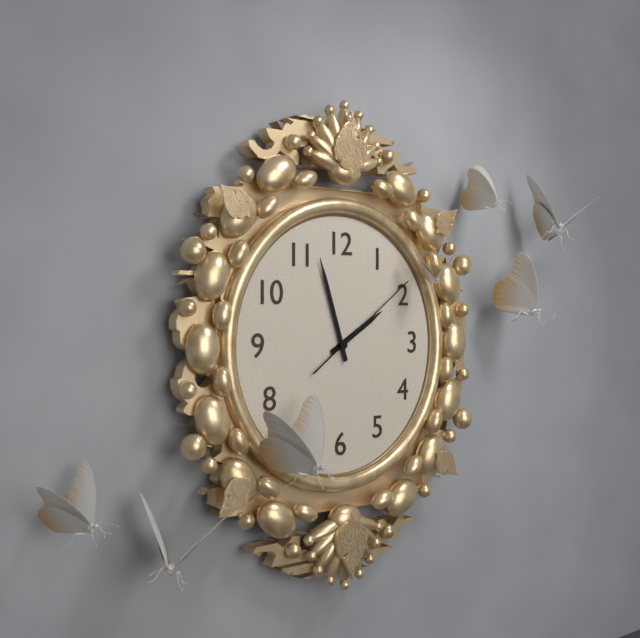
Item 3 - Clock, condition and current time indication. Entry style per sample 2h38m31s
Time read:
1h57m09s
